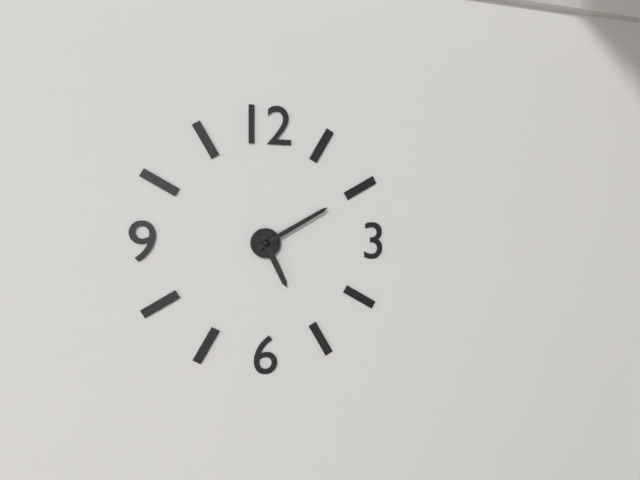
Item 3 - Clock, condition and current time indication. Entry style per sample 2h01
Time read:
5h10
